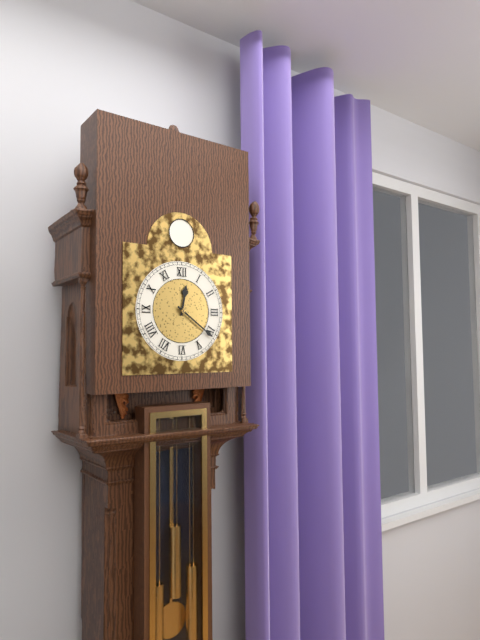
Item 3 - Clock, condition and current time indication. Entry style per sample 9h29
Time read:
12h21
